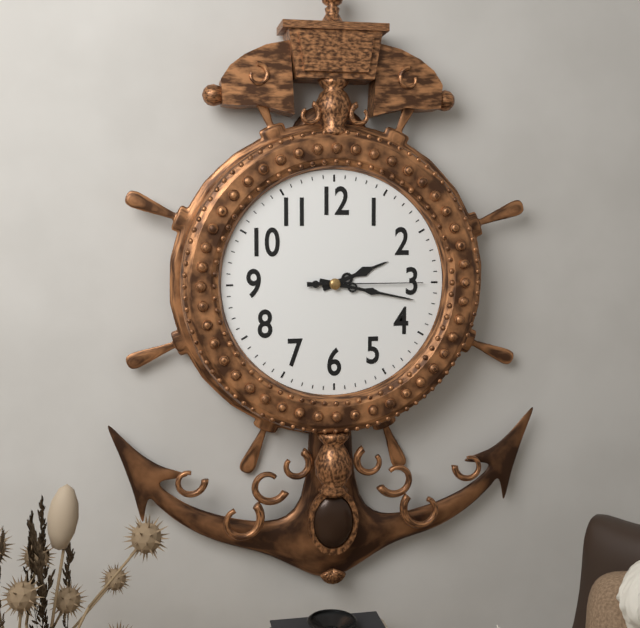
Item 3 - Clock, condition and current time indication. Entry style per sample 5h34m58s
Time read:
2h17m15s
